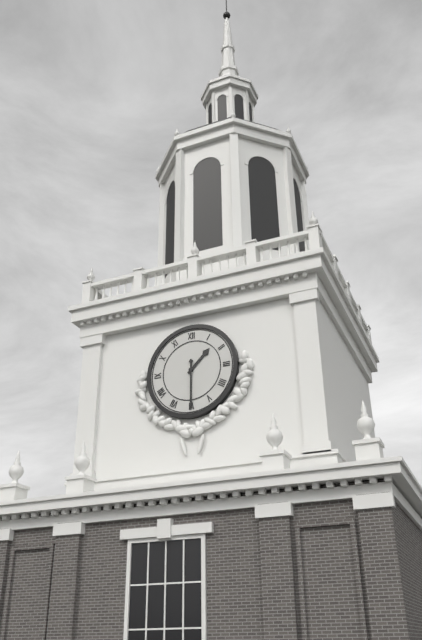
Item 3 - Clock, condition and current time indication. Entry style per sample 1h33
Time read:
1h30
